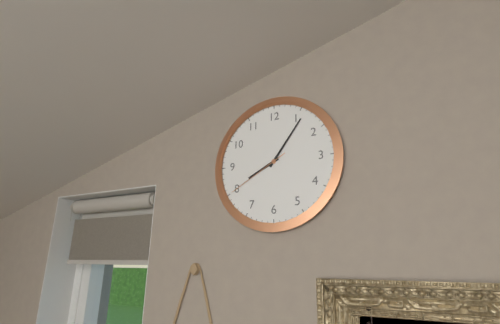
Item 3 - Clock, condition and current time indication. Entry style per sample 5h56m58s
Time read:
8h06m40s
